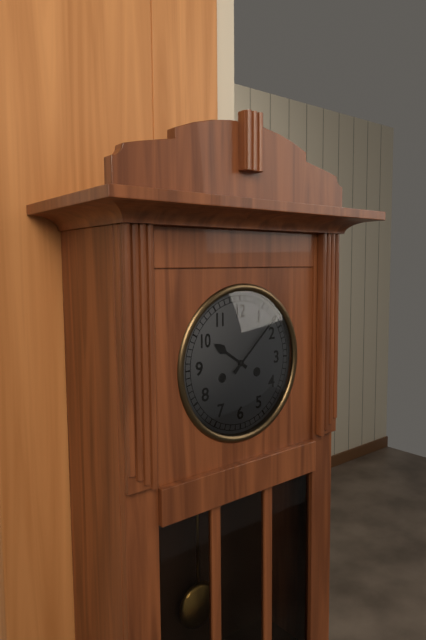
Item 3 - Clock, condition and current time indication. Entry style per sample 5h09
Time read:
10h08
